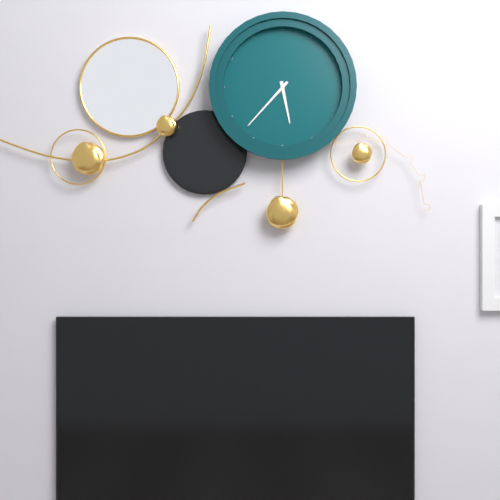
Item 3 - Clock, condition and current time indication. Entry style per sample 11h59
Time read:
5h37
